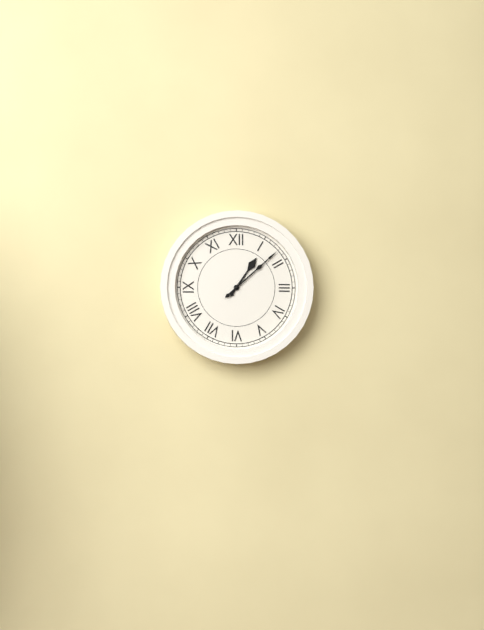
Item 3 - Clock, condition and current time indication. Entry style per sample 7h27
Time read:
1h08
